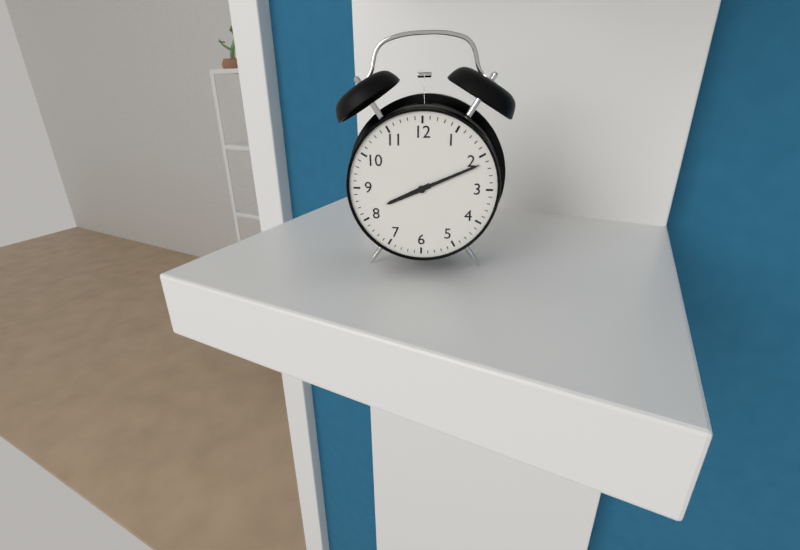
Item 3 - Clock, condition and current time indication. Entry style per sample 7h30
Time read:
8h11
